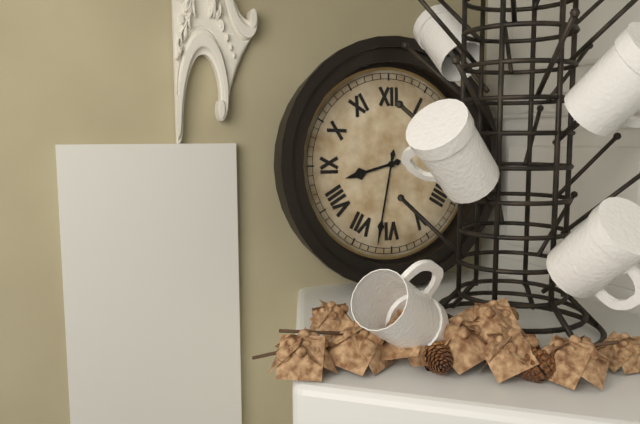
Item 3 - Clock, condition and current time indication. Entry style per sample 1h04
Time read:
8h32
